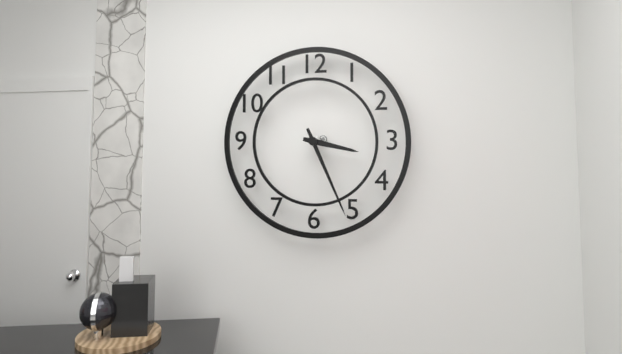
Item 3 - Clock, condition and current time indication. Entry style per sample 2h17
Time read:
3h26
